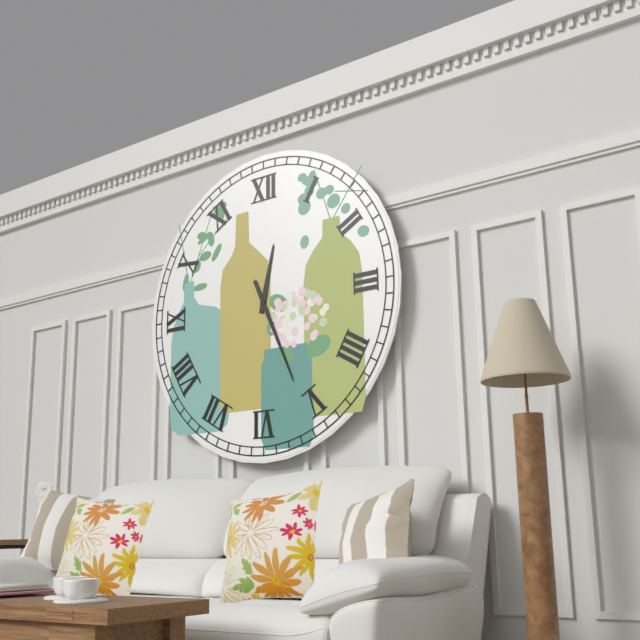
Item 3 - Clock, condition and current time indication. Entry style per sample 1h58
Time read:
12h26
